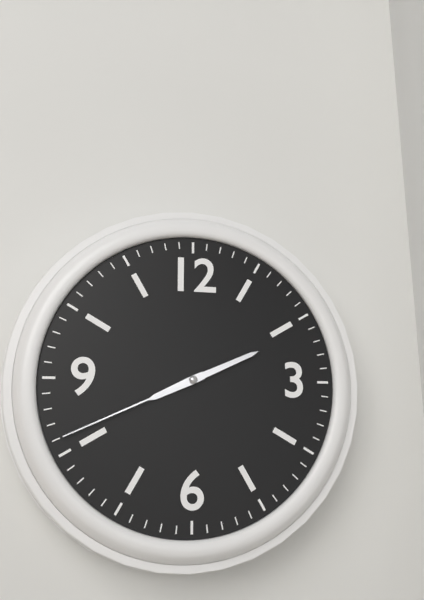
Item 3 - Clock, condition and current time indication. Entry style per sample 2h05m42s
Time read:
8h11m41s
